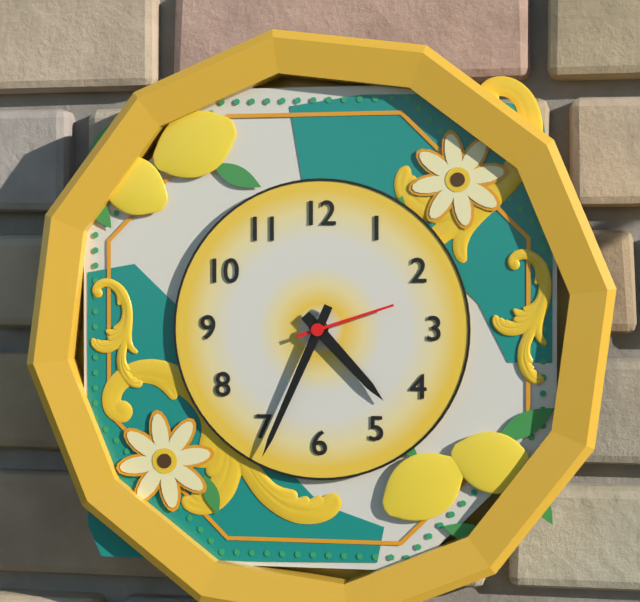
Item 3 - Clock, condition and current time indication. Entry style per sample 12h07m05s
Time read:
4h34m12s
